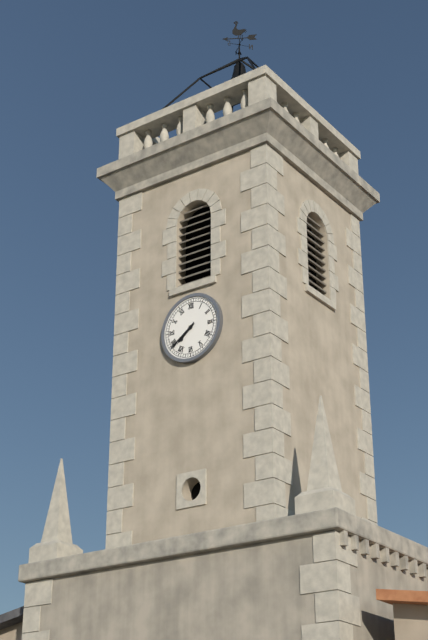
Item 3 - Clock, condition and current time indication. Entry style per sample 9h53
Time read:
7h39
